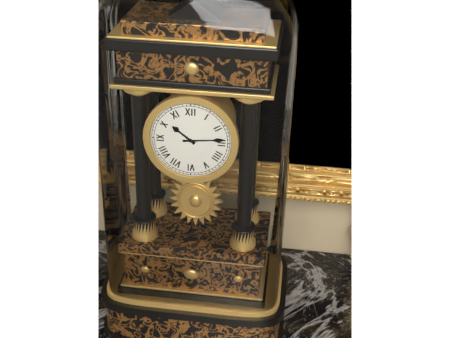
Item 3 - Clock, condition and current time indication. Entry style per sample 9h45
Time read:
10h14
